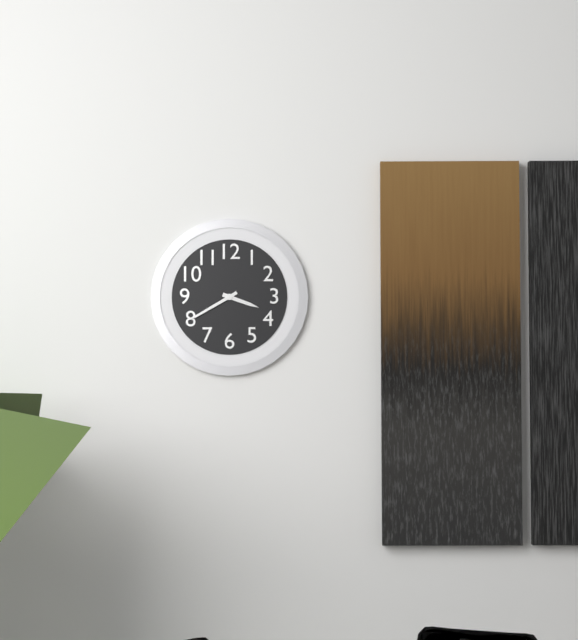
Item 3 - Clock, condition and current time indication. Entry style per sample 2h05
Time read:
3h40
